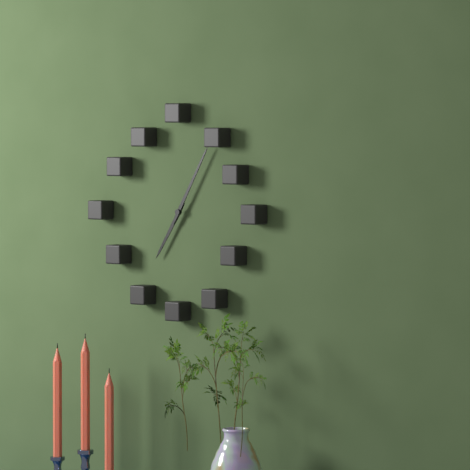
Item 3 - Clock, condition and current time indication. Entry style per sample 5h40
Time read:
7h05
